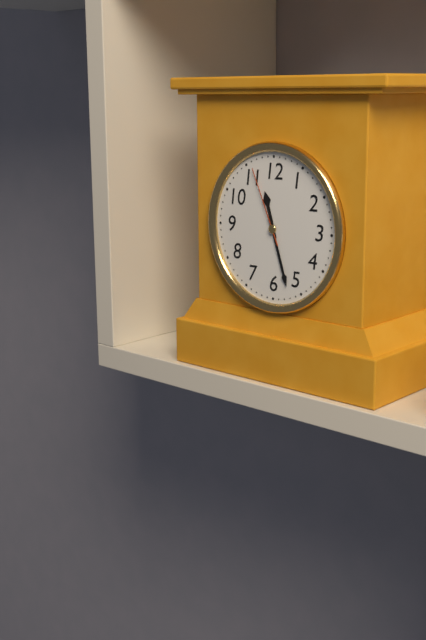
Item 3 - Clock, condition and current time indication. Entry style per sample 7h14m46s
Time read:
11h27m56s
